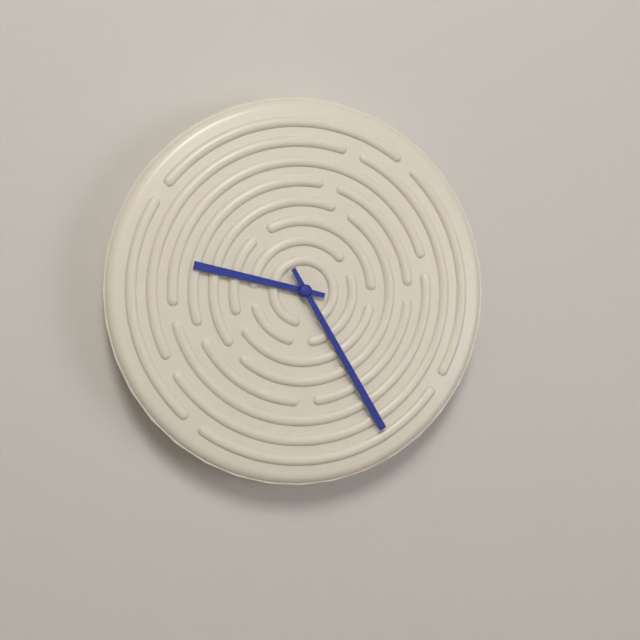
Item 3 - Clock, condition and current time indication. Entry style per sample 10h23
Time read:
9h25
